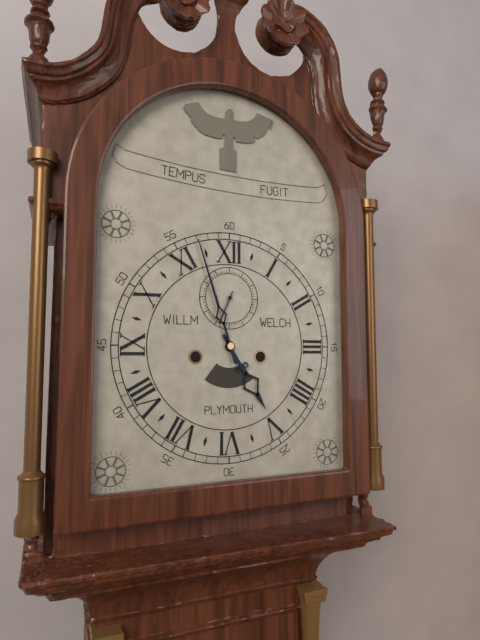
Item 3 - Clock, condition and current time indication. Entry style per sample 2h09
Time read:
4h57
